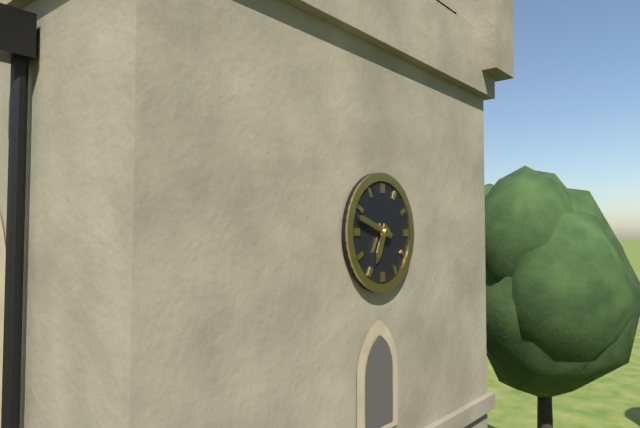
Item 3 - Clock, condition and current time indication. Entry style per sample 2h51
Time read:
6h48
